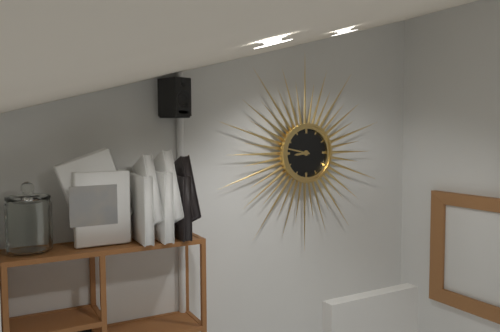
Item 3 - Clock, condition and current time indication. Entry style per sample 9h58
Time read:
8h47
